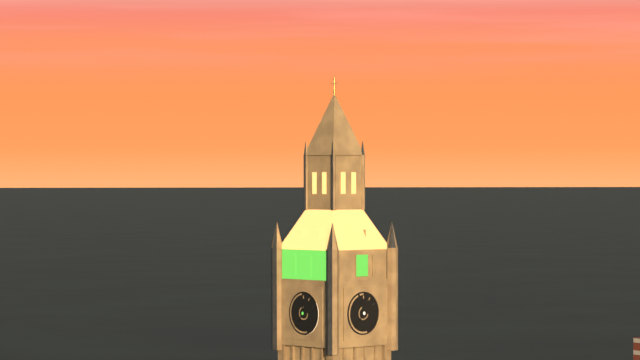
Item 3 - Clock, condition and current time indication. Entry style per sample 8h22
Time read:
11h37
